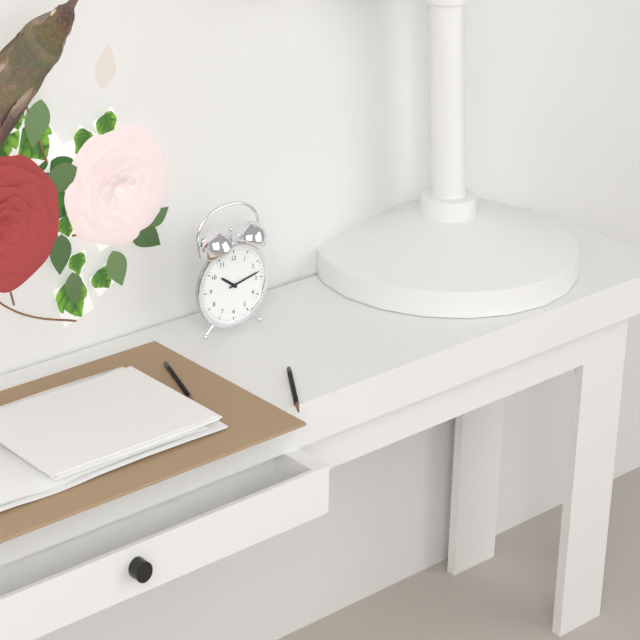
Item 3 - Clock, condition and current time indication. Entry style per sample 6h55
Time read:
10h13
